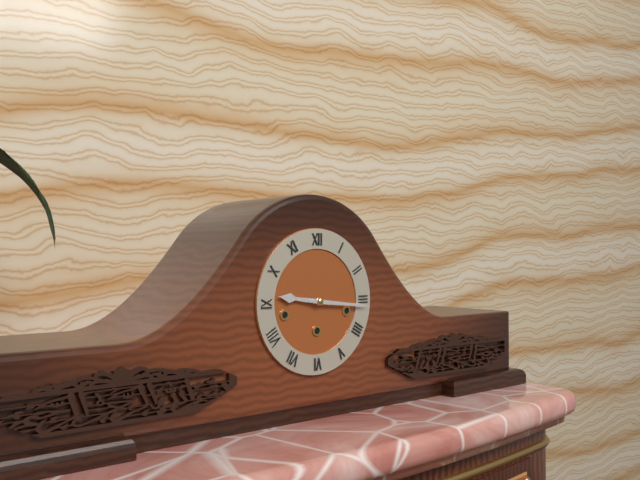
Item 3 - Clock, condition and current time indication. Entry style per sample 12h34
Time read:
9h16
